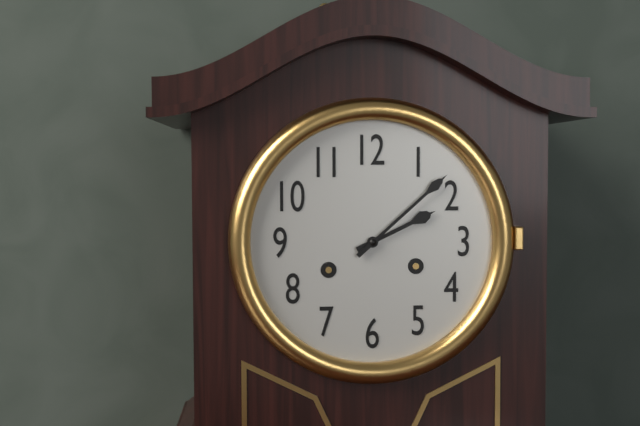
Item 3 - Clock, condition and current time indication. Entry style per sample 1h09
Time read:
2h08
